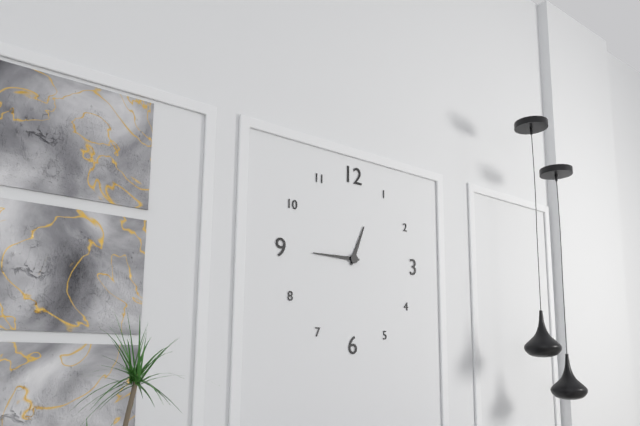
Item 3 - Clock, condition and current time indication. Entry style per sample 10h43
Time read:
12h45
